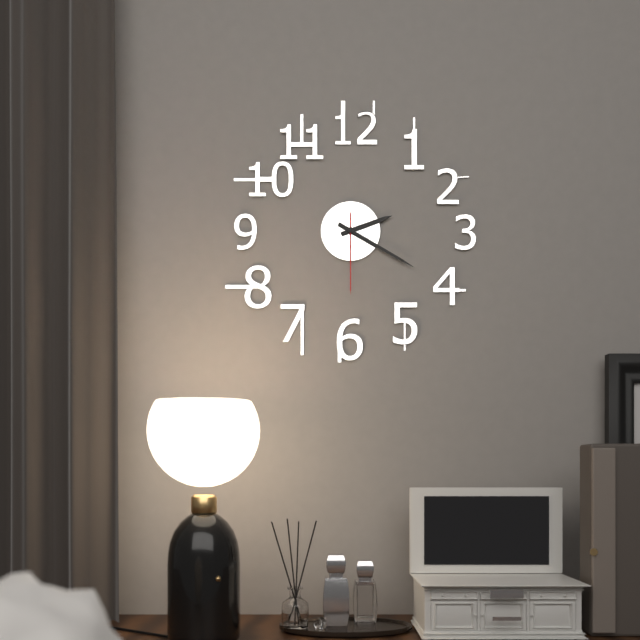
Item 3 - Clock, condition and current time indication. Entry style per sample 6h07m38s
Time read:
2h20m30s
